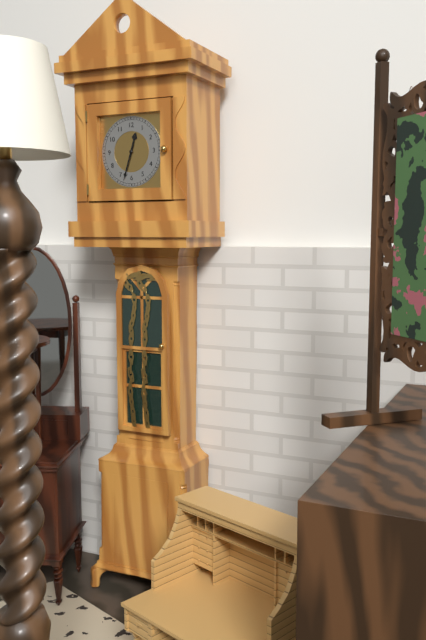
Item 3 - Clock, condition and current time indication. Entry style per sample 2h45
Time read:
12h33
